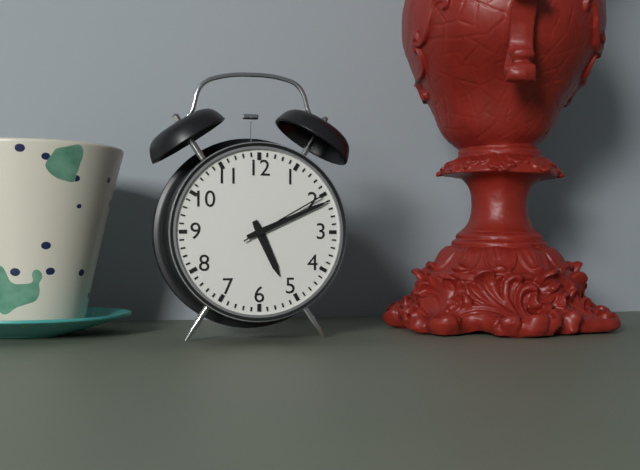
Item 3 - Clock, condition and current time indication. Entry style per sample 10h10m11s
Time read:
5h11m10s
